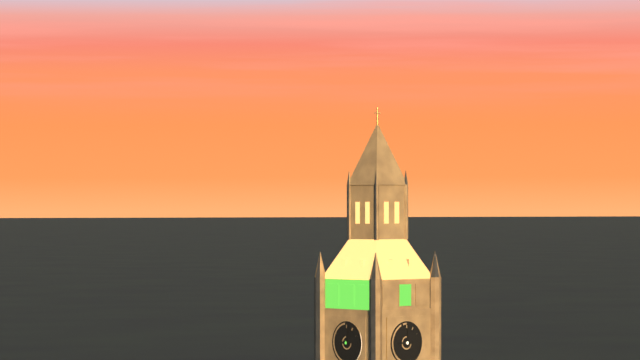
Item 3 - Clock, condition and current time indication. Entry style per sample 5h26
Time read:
9h01
